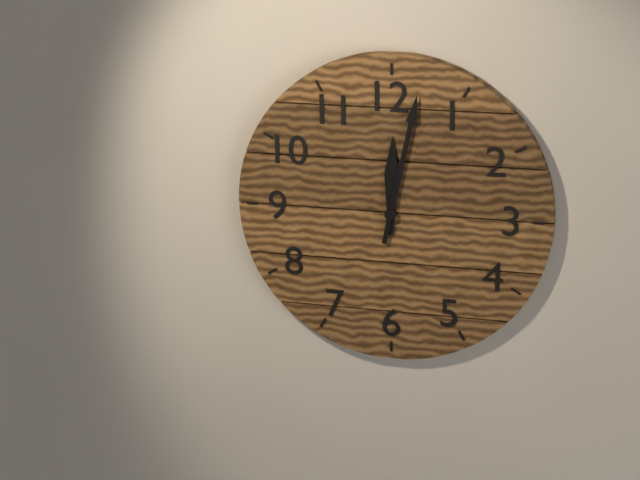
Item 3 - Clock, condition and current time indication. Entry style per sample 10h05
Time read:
12h02
